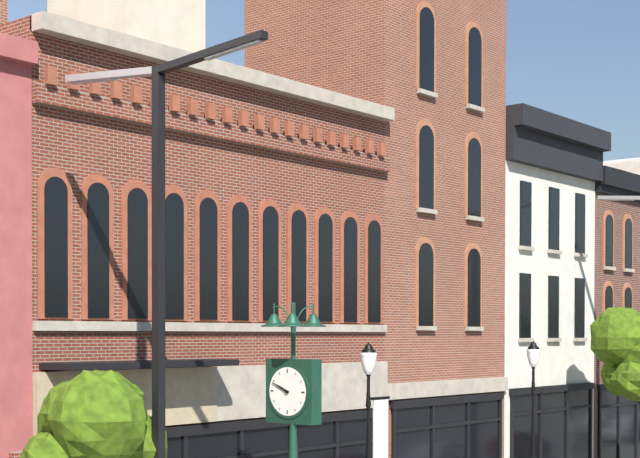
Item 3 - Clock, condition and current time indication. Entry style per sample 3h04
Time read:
9h49
